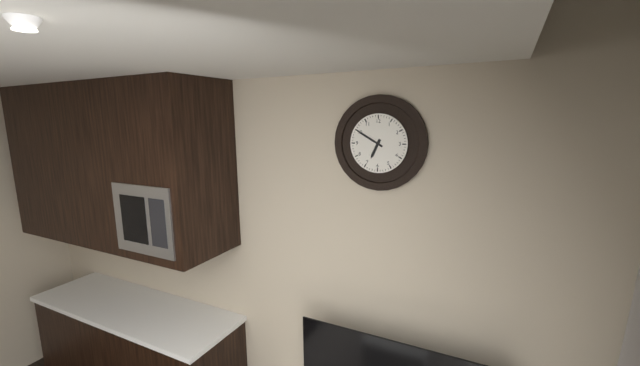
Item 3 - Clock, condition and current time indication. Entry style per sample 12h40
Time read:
6h50
